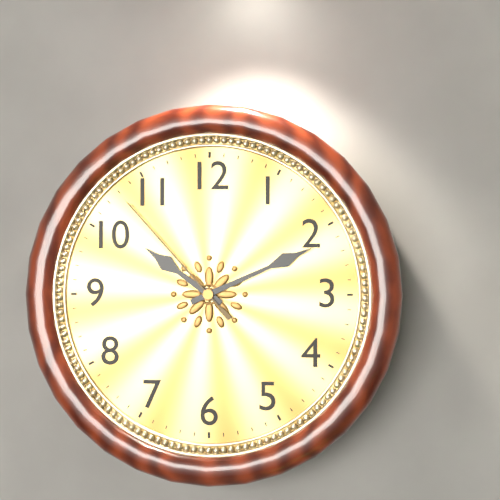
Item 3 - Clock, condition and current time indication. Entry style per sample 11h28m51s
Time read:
10h11m53s
